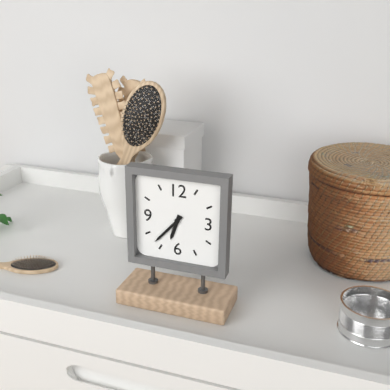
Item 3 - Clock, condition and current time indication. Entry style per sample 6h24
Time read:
6h37
